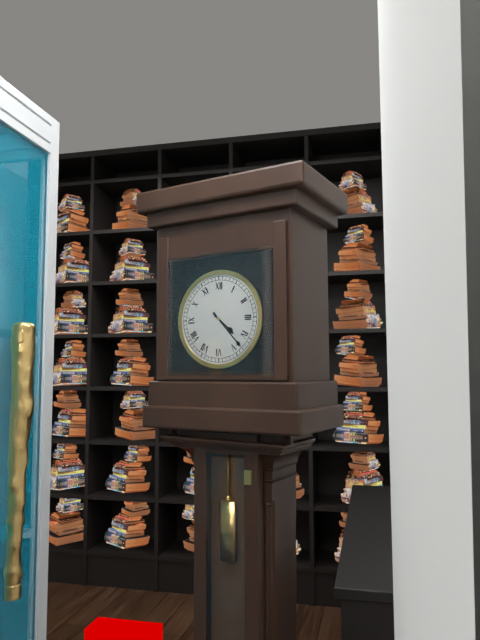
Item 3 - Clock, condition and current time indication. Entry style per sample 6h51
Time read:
4h23
